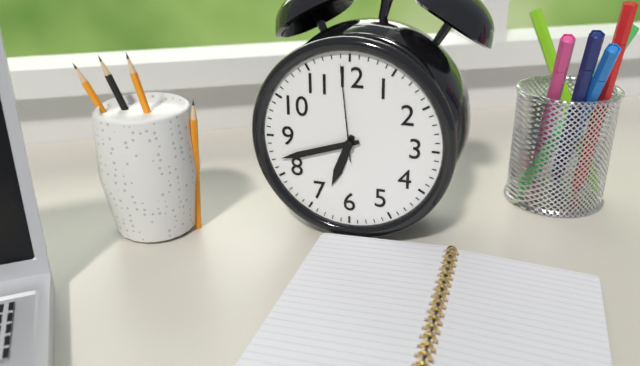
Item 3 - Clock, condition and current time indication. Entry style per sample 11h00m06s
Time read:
6h42m59s
